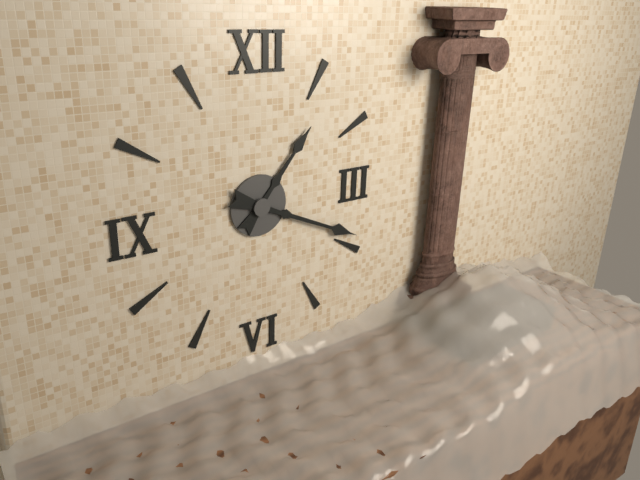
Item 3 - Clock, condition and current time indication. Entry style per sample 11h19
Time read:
1h19
